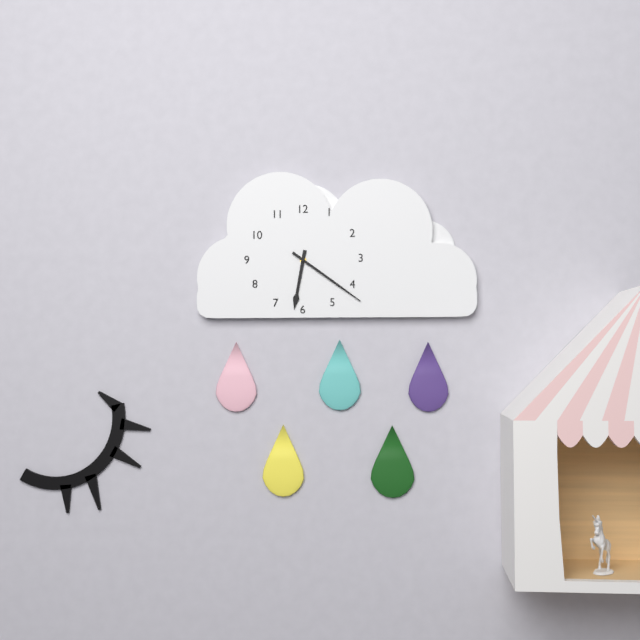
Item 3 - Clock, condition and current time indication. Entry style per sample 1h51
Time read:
6h21
